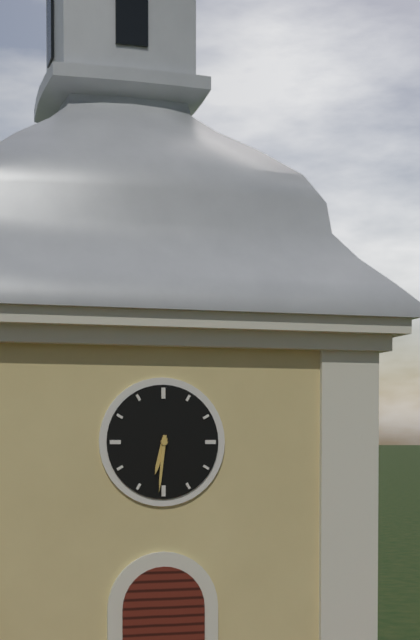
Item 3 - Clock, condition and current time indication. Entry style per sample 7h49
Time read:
6h31
